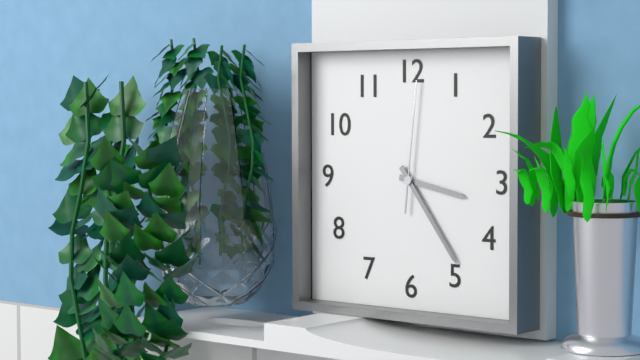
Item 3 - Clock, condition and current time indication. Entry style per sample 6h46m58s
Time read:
3h24m01s
